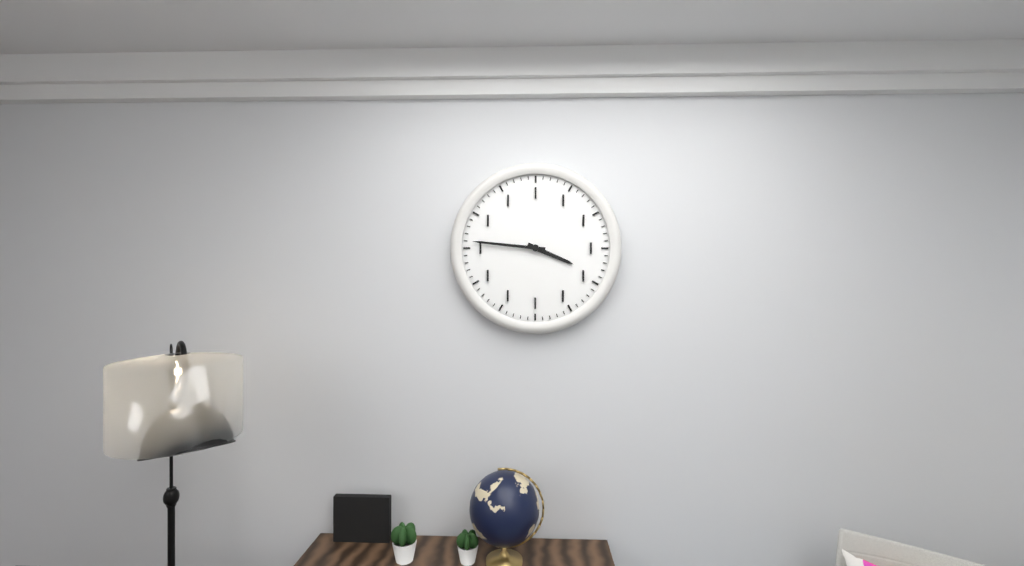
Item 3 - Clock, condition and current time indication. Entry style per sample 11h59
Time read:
3h46
